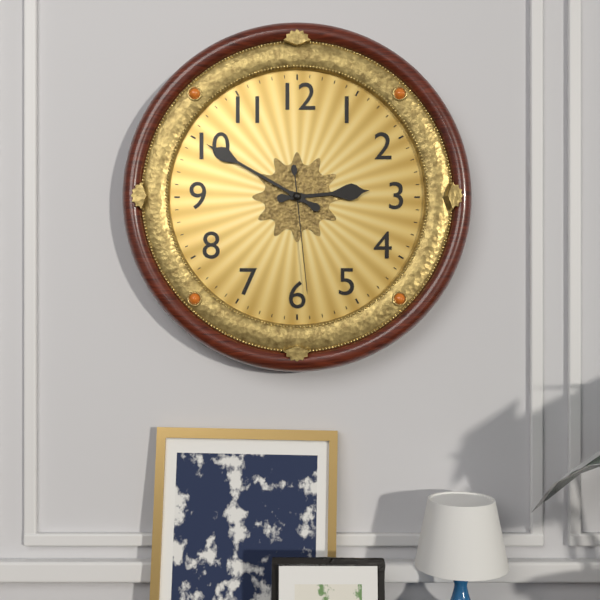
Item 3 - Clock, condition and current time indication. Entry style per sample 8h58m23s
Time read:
2h50m29s
